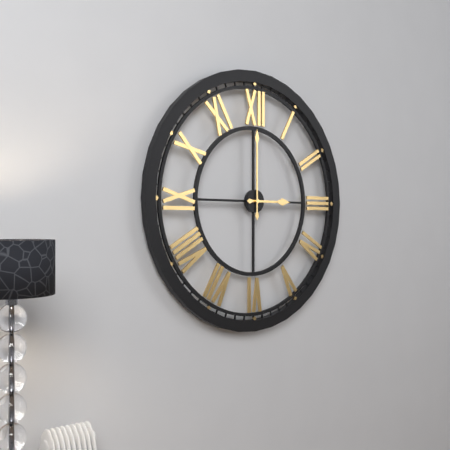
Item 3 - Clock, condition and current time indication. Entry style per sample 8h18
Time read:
3h00
